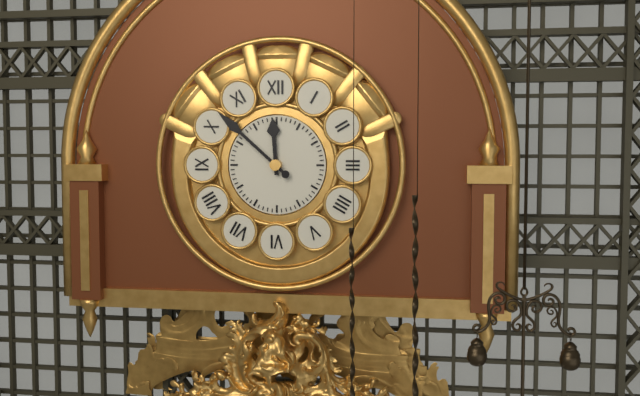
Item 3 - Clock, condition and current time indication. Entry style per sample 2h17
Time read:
11h52
